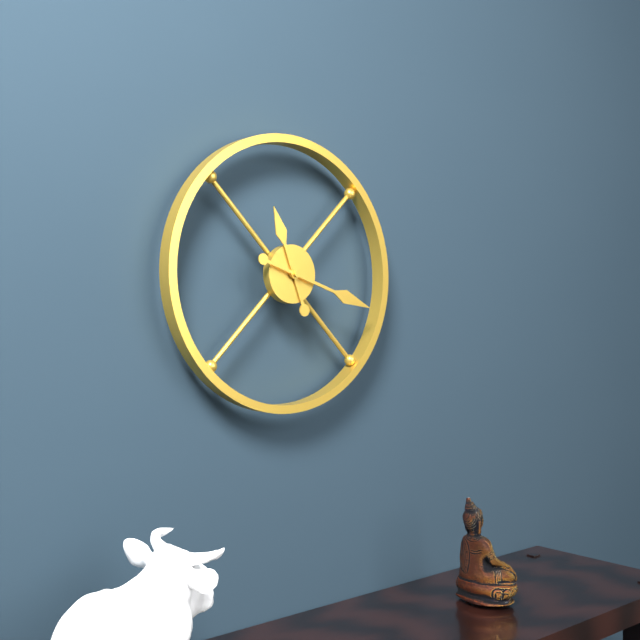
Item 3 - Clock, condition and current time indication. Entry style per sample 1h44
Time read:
11h18
